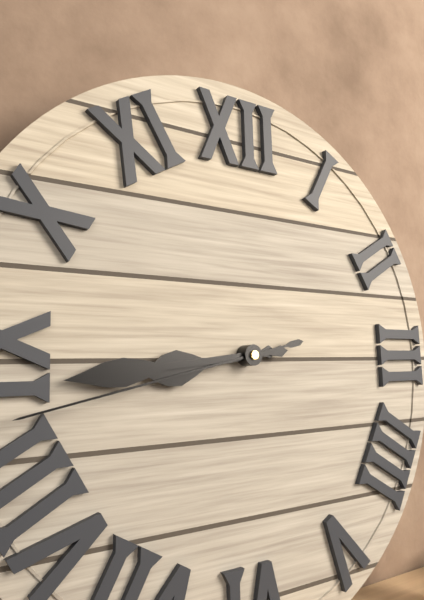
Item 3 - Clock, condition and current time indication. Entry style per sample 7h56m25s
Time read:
8h44m43s
